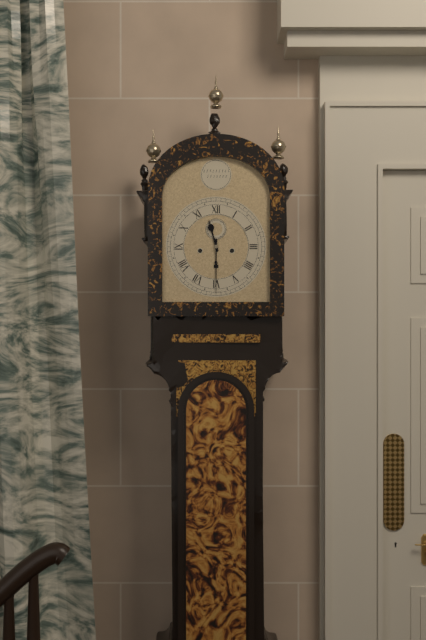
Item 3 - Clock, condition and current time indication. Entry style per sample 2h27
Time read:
11h30
